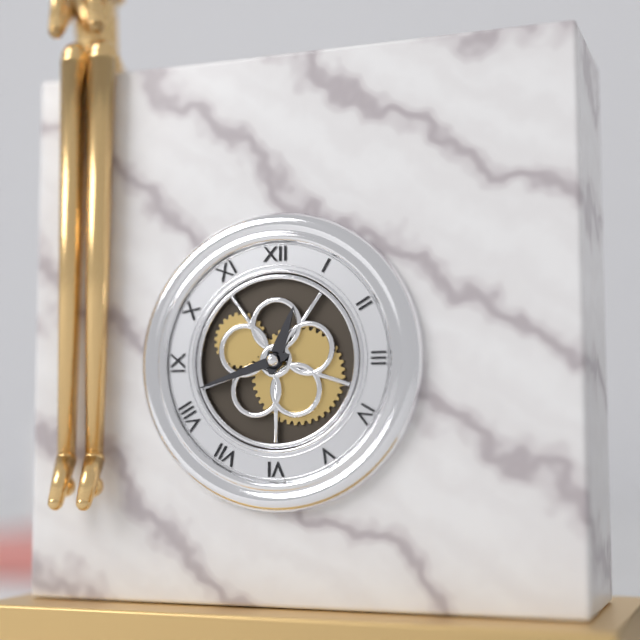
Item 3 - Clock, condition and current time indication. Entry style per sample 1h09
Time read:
12h42
